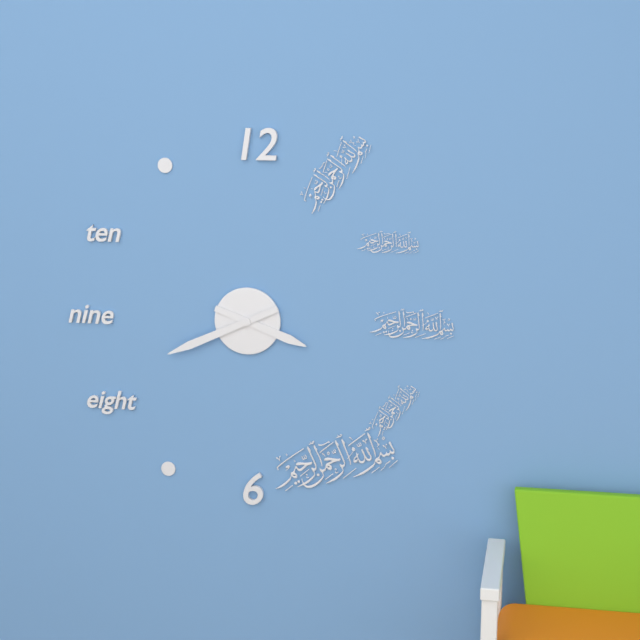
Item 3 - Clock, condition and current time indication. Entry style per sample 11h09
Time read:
3h41
